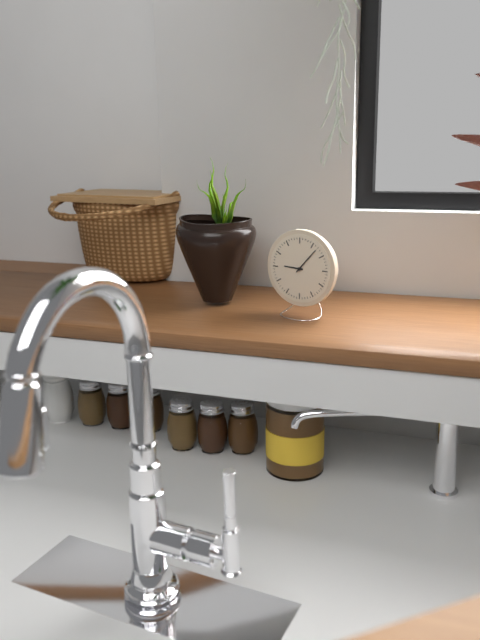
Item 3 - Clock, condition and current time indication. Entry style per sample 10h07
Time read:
9h07
